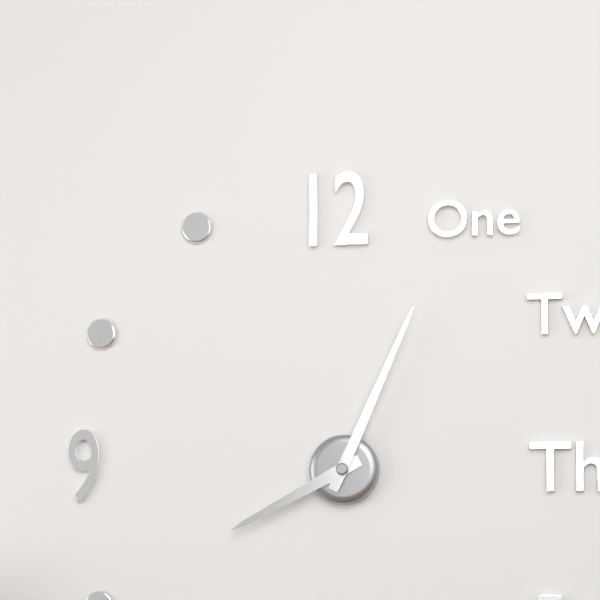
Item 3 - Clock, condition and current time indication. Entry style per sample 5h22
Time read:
8h04
